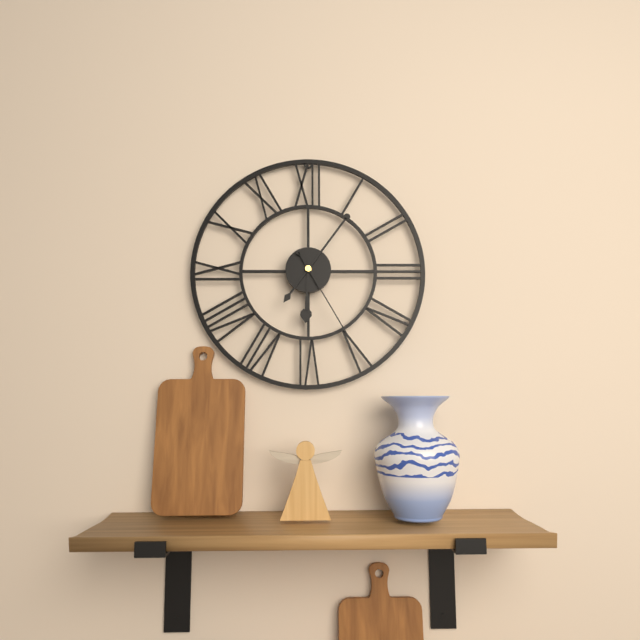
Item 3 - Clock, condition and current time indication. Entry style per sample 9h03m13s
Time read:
6h06m25s
